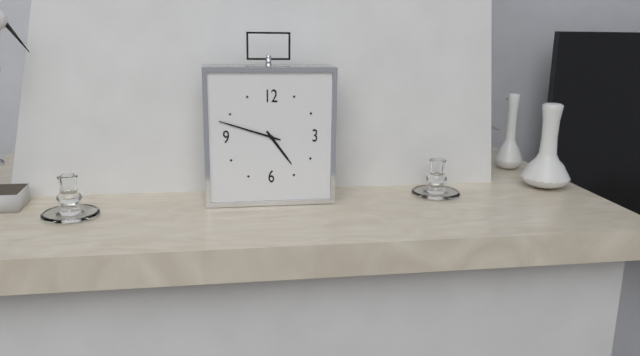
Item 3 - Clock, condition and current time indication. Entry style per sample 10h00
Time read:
4h48
